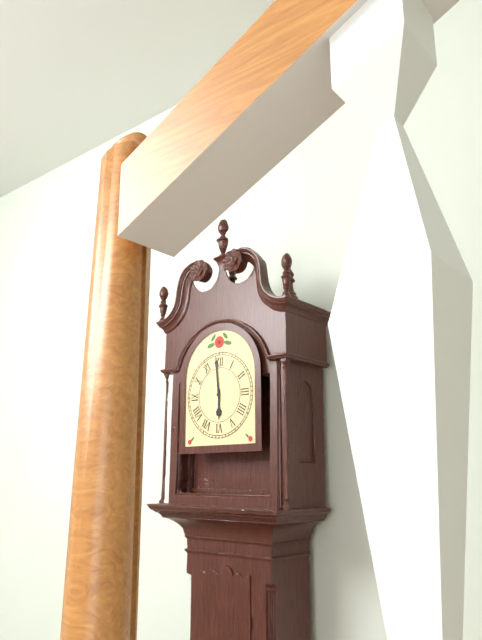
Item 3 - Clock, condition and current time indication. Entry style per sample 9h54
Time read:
5h59
